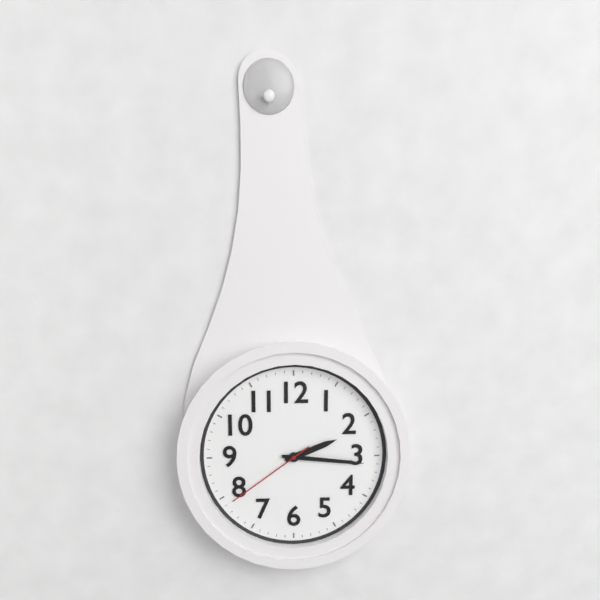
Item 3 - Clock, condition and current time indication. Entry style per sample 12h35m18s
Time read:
2h16m39s
